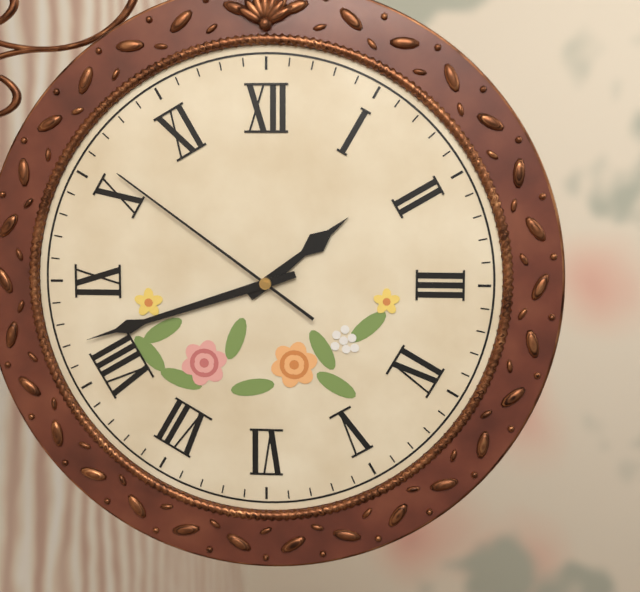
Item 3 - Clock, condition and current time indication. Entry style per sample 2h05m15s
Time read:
1h42m51s
